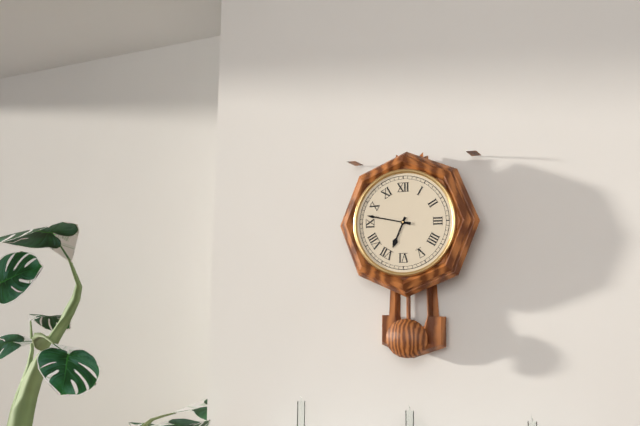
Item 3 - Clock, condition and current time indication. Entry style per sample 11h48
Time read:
6h47
